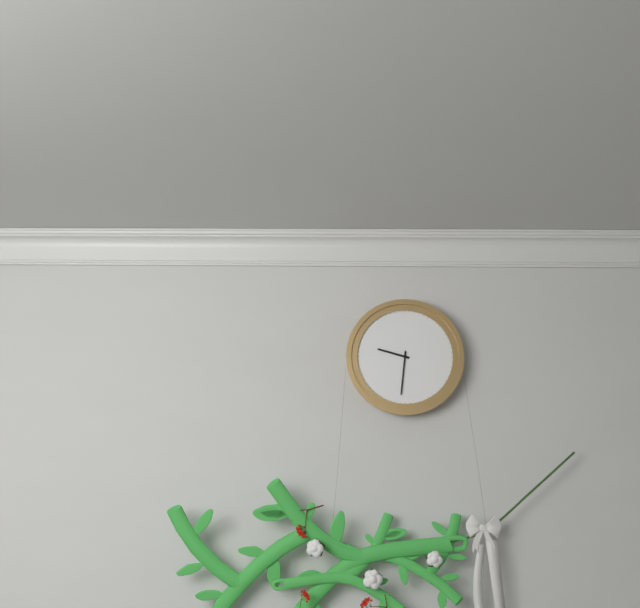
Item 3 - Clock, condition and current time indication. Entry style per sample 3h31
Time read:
9h31
